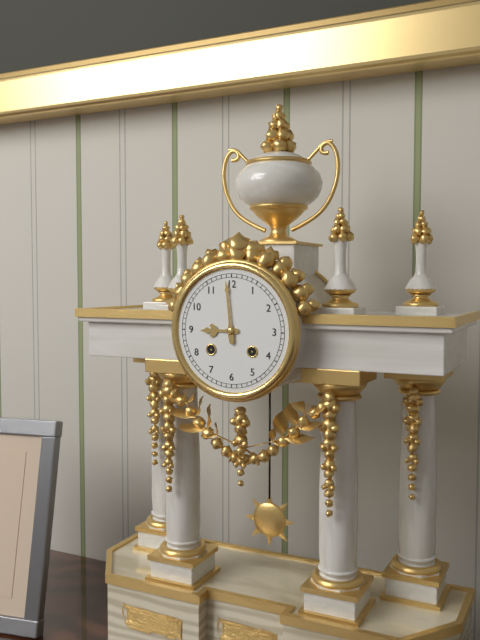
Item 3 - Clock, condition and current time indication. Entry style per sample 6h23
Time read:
8h59
